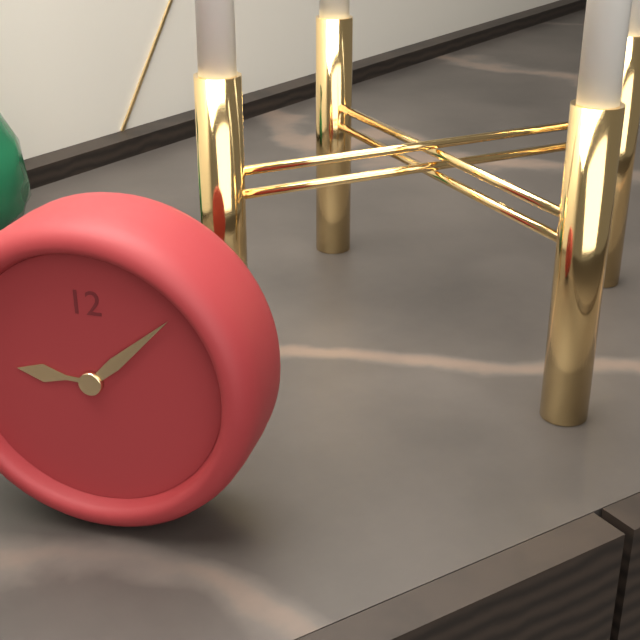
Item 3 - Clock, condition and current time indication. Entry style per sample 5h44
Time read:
9h08
